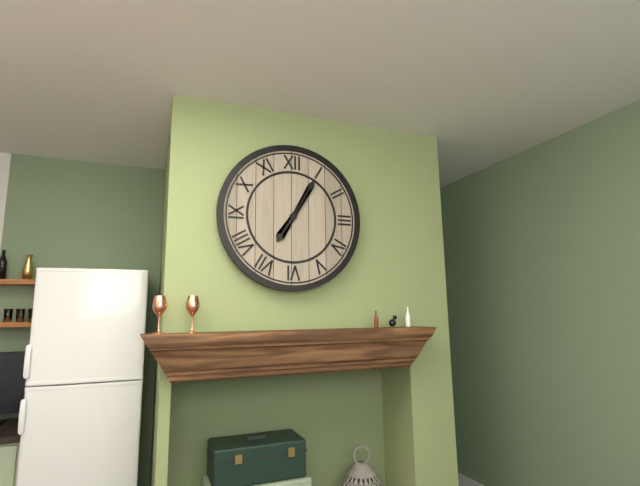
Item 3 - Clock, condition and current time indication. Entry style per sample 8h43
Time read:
7h05
